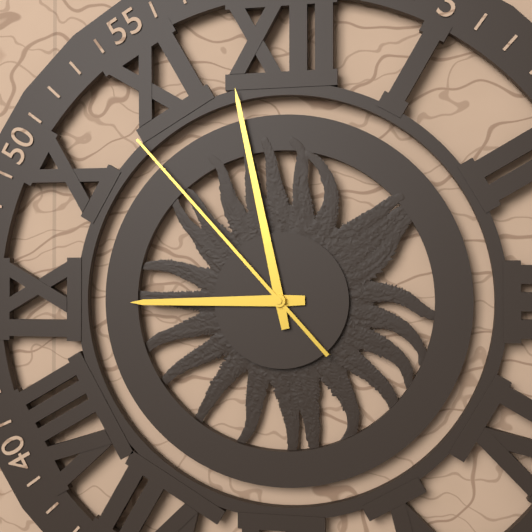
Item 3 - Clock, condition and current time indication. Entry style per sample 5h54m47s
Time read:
8h58m53s
